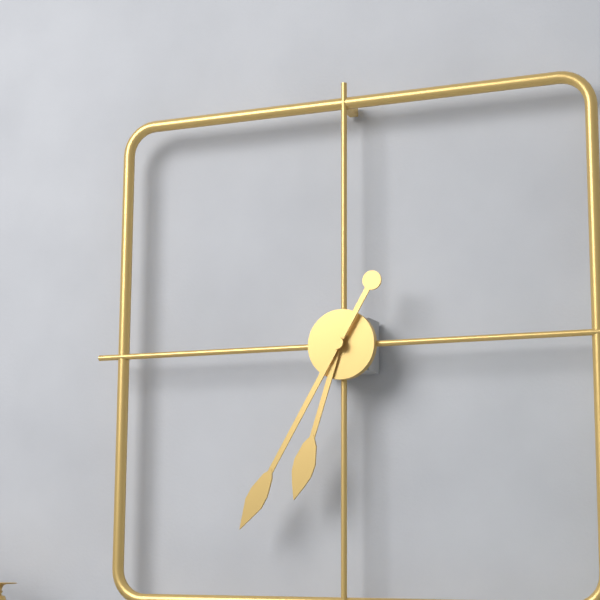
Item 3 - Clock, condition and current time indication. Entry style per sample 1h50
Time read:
6h35
